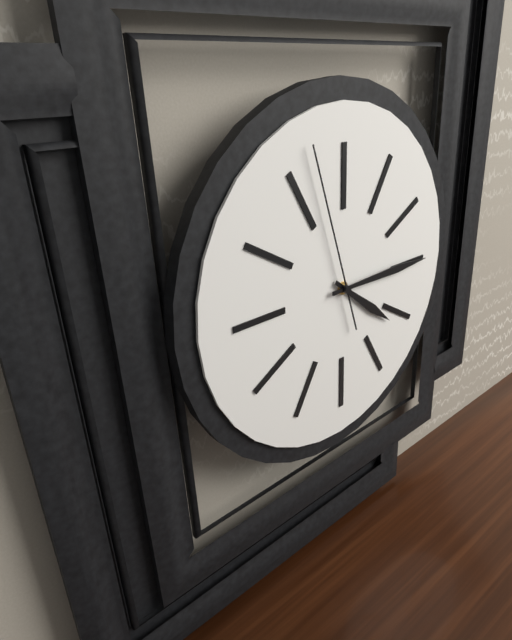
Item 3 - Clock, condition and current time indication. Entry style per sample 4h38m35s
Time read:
4h15m57s
